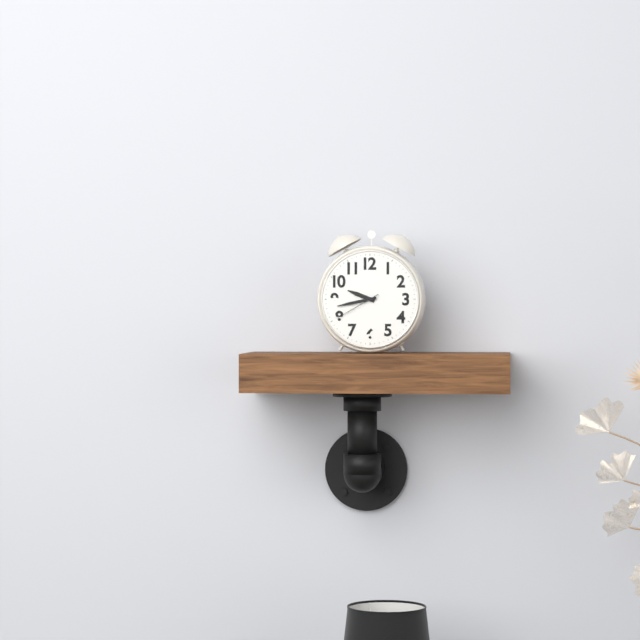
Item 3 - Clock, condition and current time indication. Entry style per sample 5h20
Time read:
9h43
